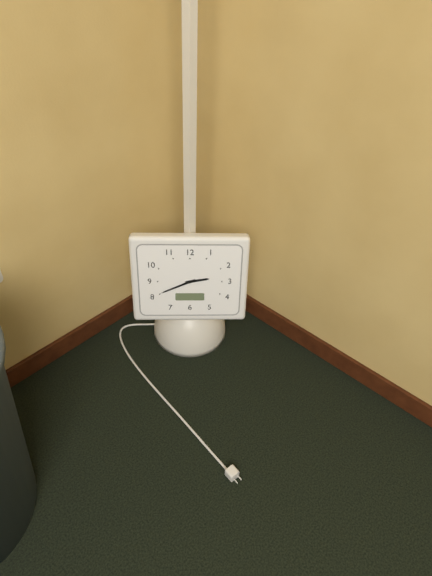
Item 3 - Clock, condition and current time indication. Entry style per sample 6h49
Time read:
2h41
